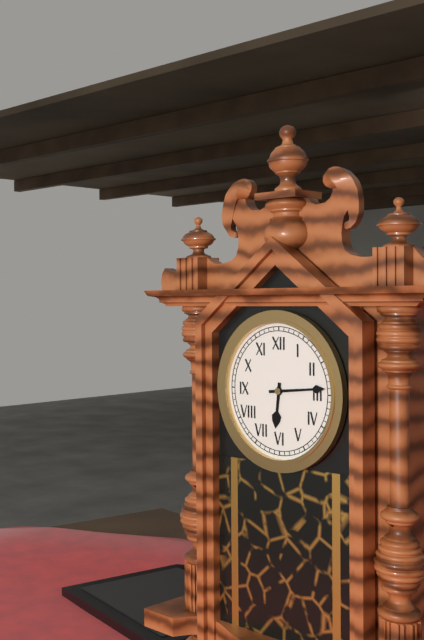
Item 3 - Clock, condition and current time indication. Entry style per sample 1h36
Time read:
6h14
